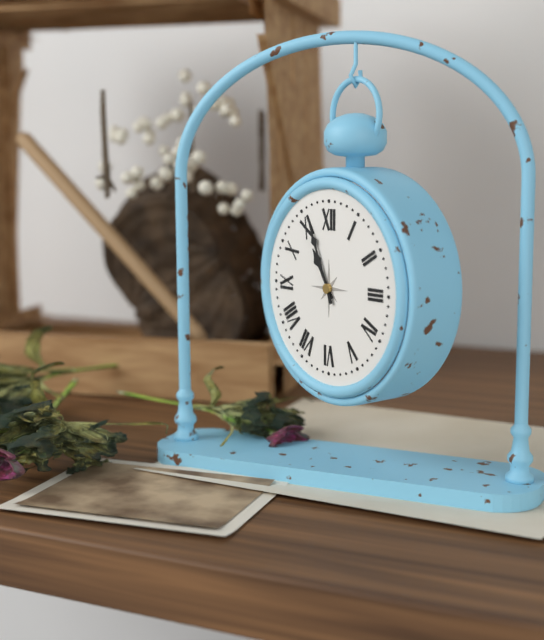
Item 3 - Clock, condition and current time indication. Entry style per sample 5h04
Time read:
10h56
